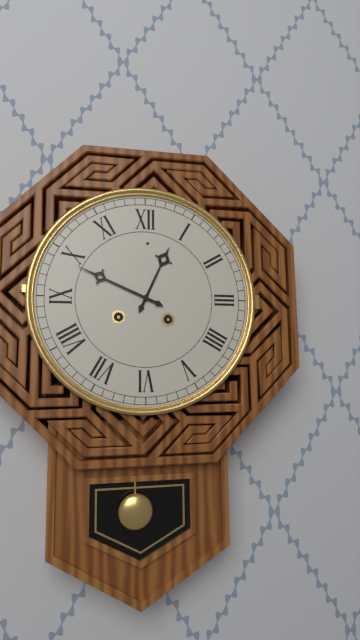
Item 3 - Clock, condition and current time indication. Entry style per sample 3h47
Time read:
12h49
